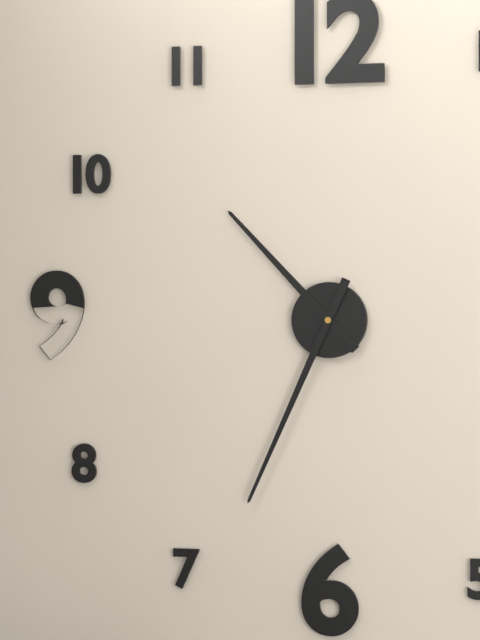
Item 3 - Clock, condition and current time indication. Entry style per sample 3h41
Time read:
10h34
